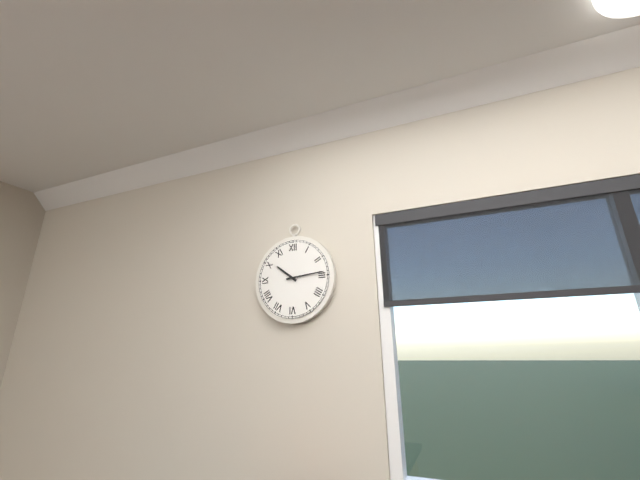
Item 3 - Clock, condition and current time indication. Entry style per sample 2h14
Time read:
10h14
